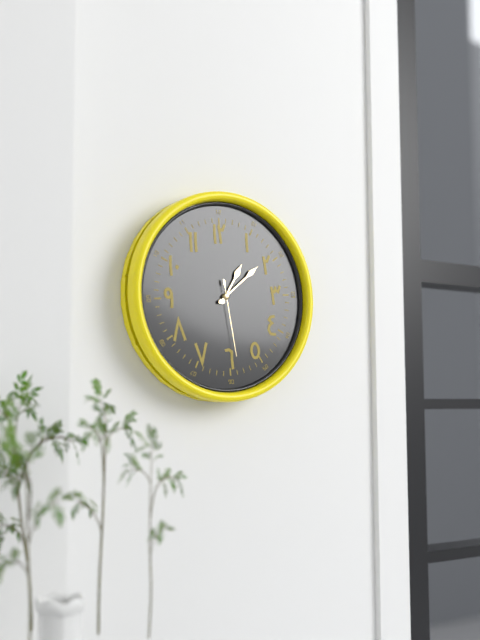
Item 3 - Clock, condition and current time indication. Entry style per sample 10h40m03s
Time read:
1h09m29s
